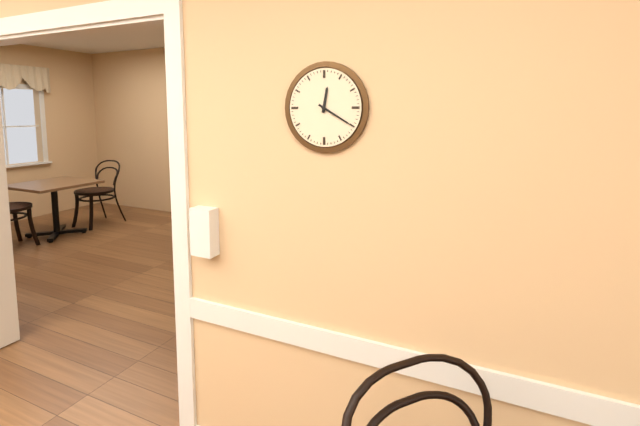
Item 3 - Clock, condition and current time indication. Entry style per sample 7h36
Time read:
12h20
